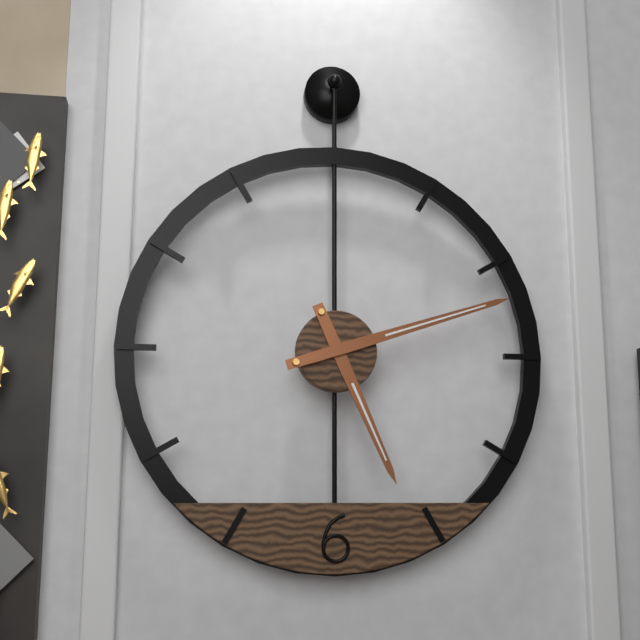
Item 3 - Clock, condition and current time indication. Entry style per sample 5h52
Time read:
5h12
